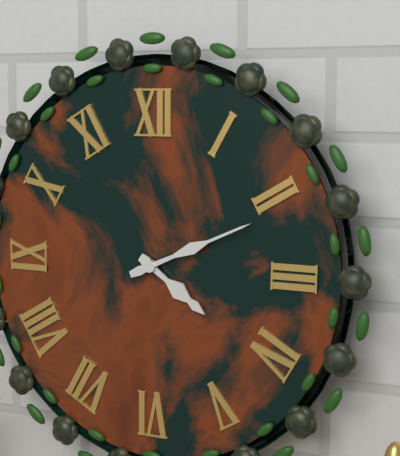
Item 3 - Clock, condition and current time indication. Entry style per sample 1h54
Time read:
4h11
